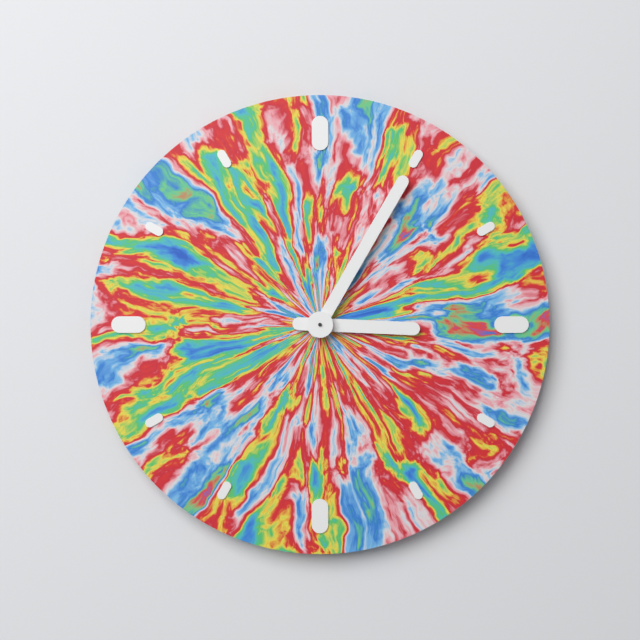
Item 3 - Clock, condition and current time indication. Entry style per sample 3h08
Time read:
3h05
